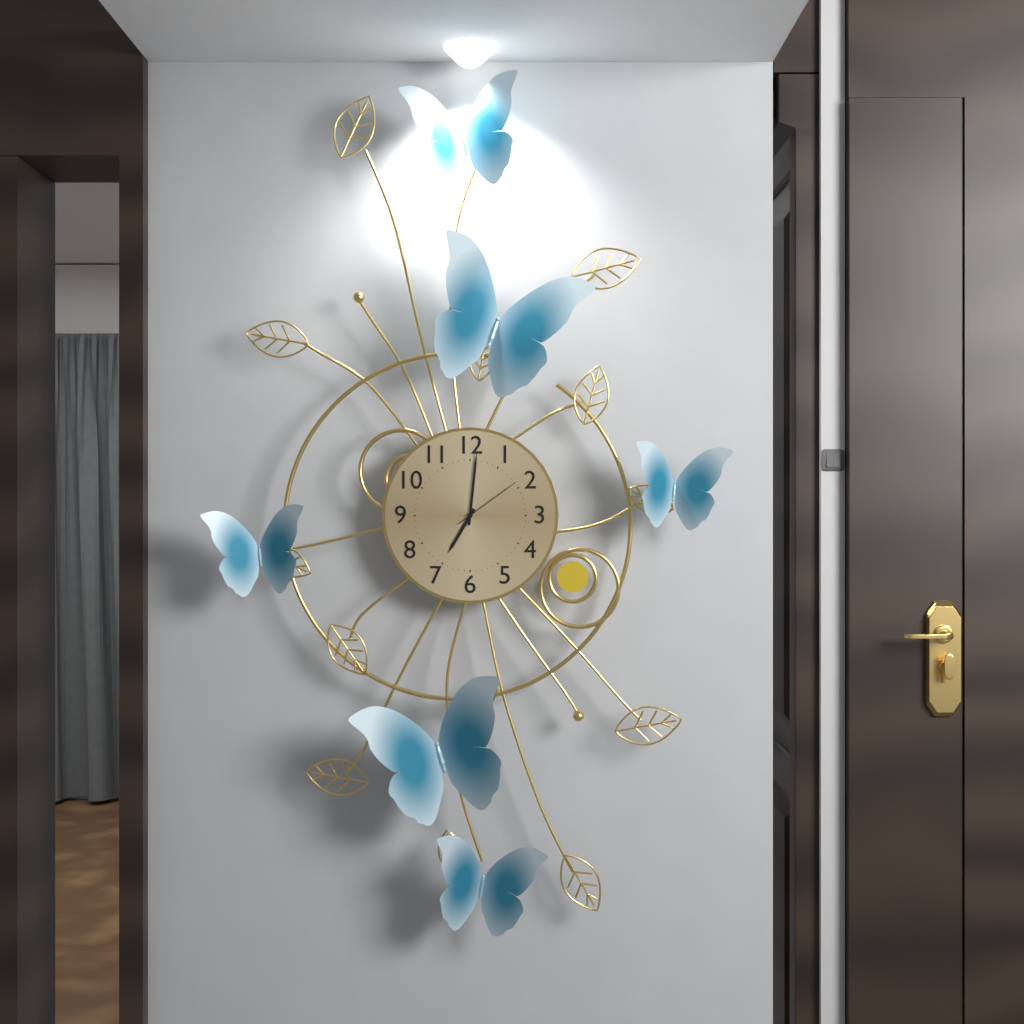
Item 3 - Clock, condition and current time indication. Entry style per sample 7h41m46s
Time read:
7h01m09s
